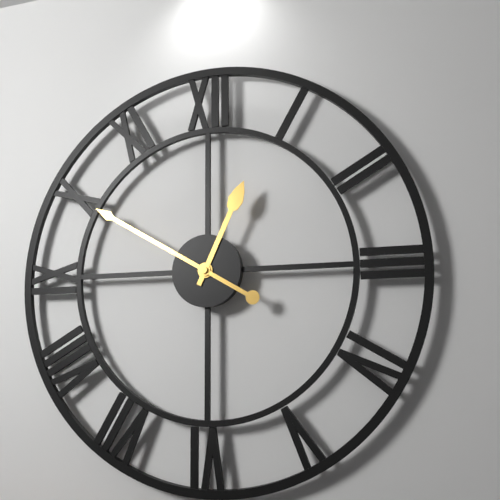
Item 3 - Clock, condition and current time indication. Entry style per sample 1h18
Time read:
12h50
